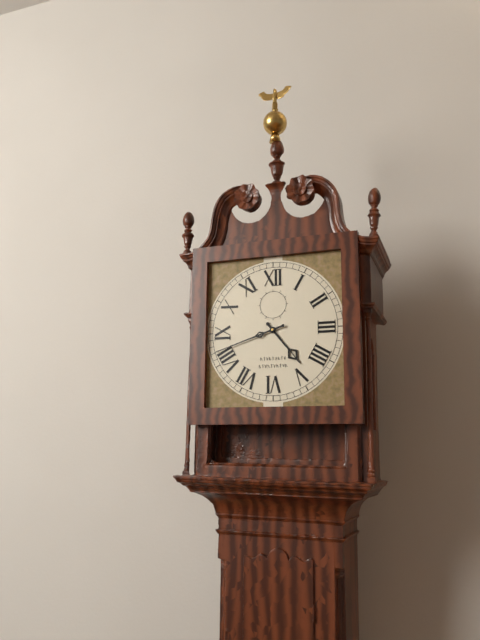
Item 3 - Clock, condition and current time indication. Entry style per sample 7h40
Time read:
4h42
